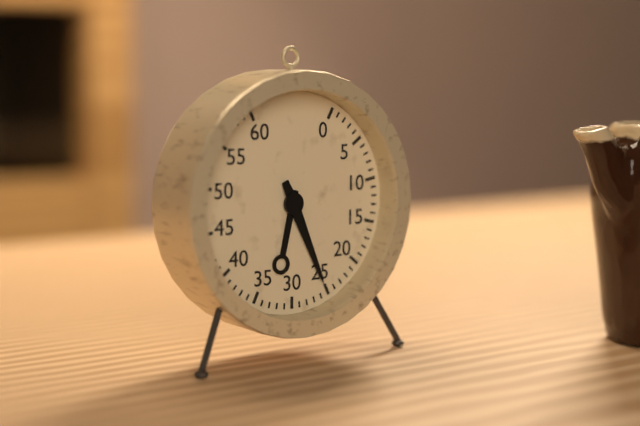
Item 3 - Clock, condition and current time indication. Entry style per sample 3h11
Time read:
6h26
